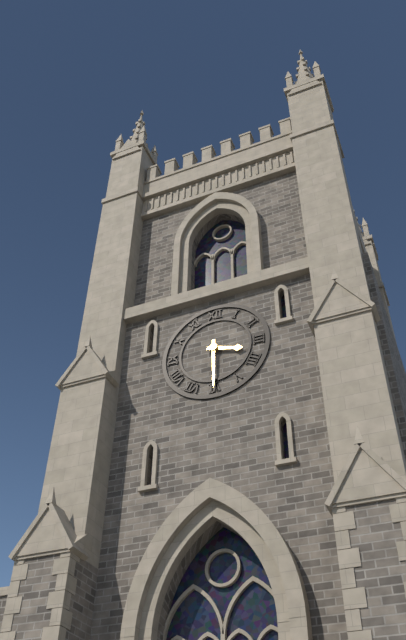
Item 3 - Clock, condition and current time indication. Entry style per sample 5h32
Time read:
3h30
